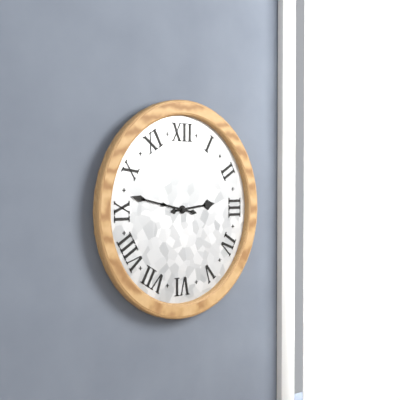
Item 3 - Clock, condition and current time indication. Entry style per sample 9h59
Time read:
2h47
